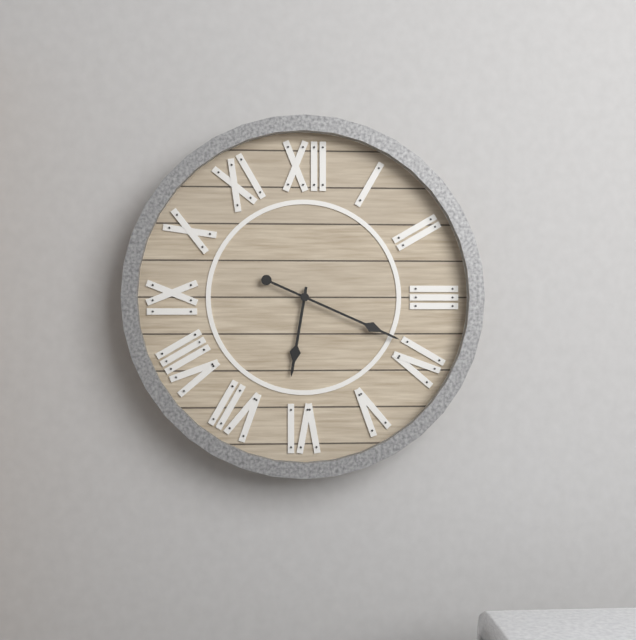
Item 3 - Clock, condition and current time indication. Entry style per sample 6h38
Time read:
6h19
